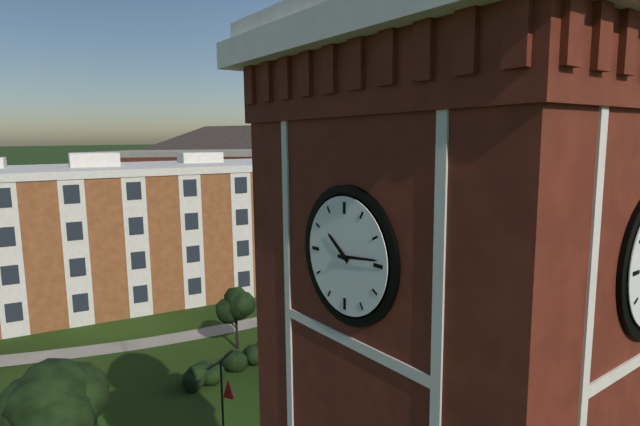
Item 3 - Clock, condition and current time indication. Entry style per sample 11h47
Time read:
10h14
